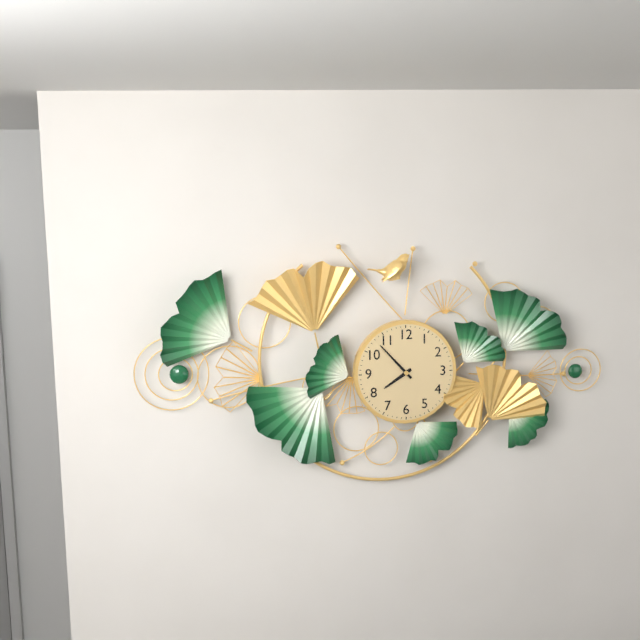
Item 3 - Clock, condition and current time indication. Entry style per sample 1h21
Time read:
7h53
